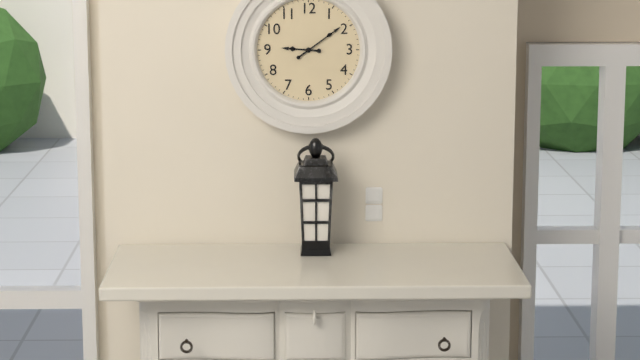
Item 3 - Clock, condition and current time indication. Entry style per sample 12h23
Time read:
9h09
